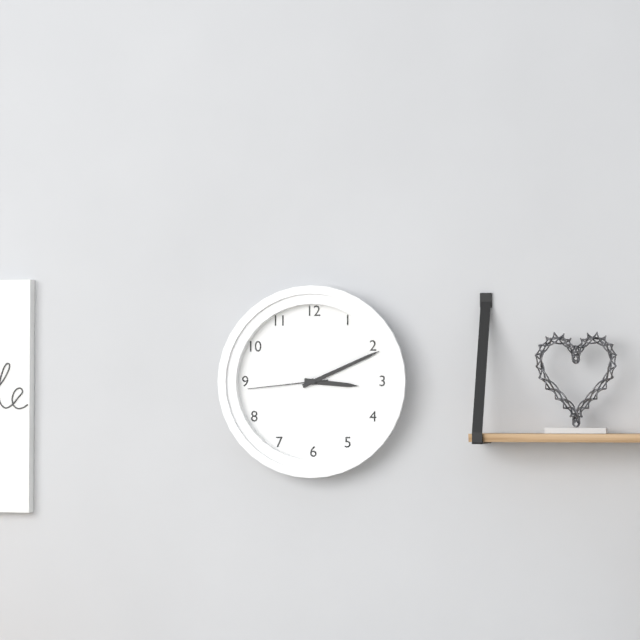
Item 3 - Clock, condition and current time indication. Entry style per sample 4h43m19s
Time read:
3h11m44s
